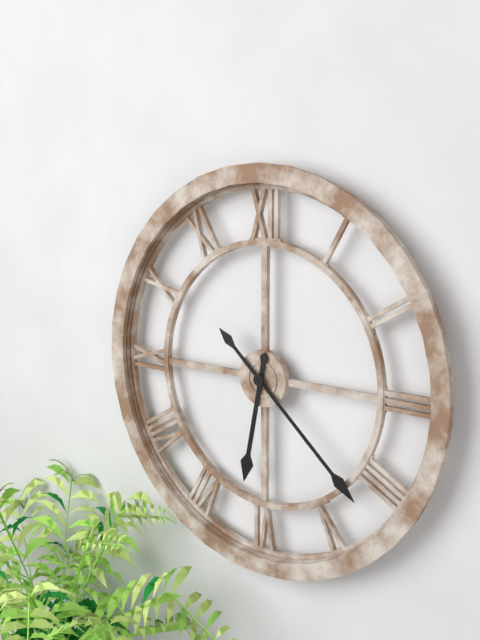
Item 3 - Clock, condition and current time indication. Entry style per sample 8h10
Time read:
6h22
